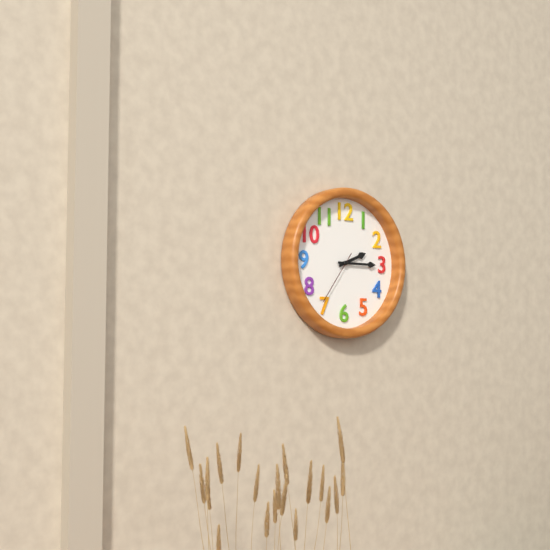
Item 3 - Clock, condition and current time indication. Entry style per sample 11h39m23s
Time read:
2h15m36s
